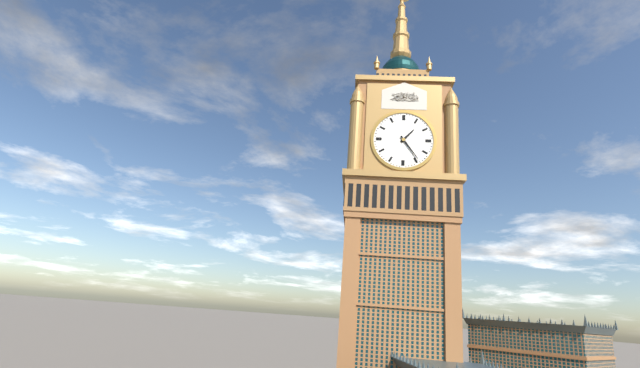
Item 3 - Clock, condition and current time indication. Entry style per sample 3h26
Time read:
1h24
